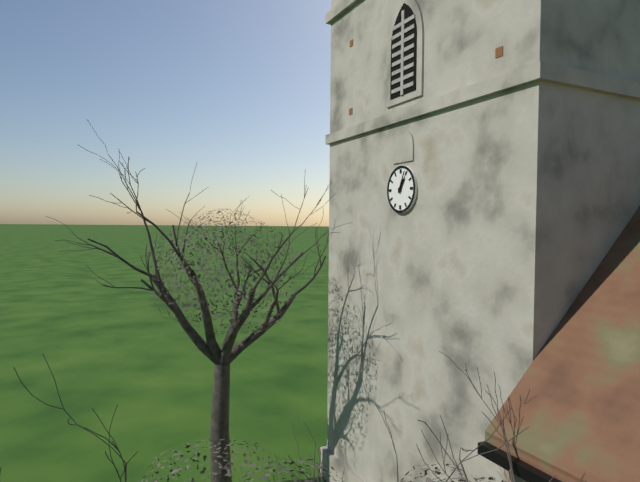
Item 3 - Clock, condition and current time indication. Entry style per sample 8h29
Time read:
1h04
